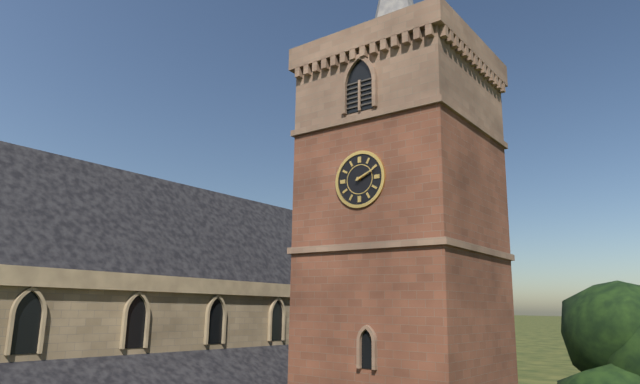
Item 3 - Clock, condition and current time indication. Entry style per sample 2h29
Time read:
2h11
